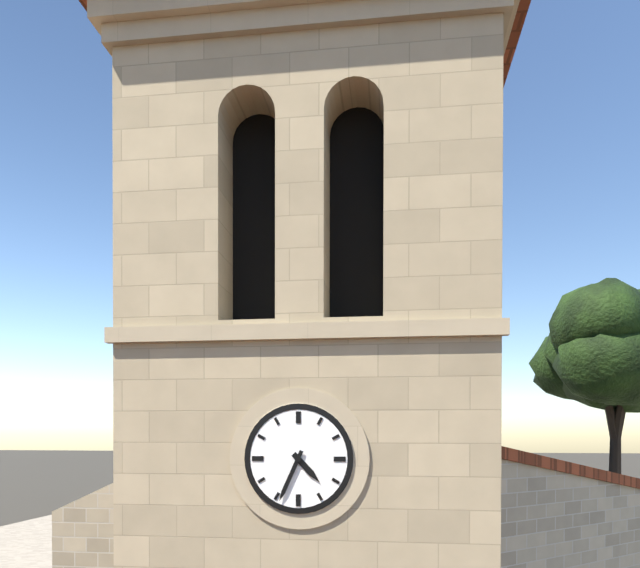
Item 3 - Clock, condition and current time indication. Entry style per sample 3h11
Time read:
4h34
